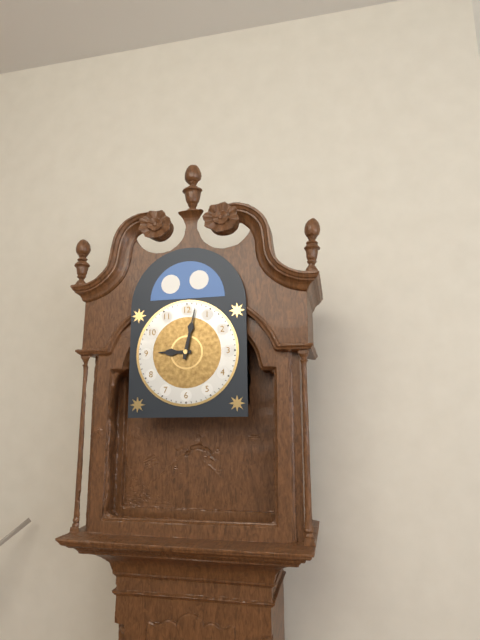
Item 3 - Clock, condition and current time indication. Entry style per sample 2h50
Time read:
9h02
